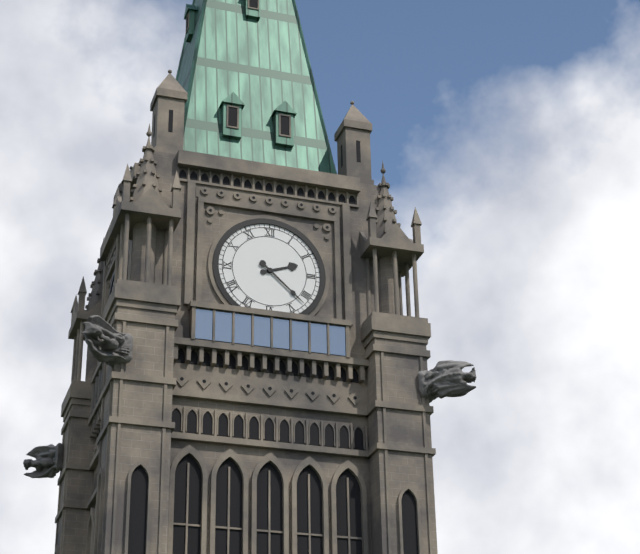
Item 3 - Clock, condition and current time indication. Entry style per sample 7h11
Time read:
2h22
